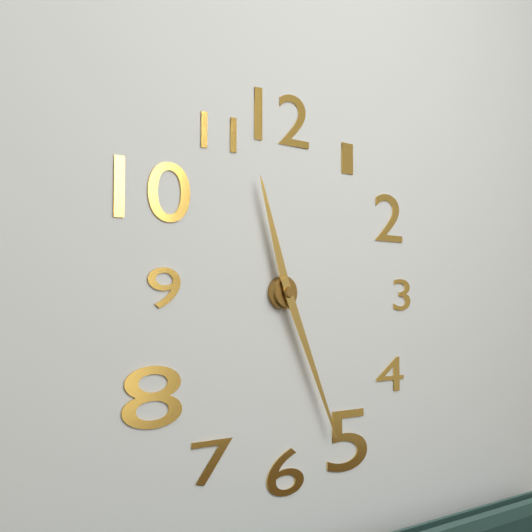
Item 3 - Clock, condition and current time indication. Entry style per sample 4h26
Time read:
11h26
